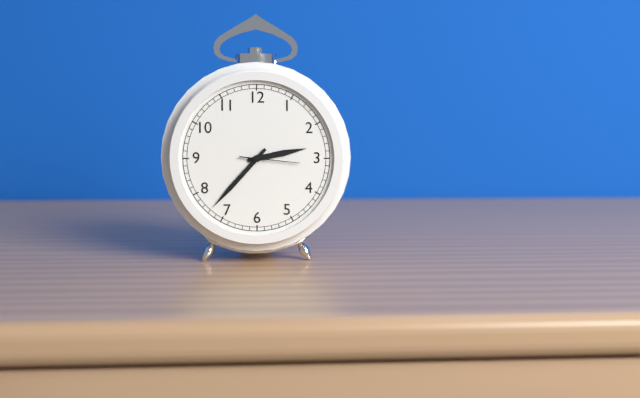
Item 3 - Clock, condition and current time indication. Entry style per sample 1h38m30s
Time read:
2h37m16s
